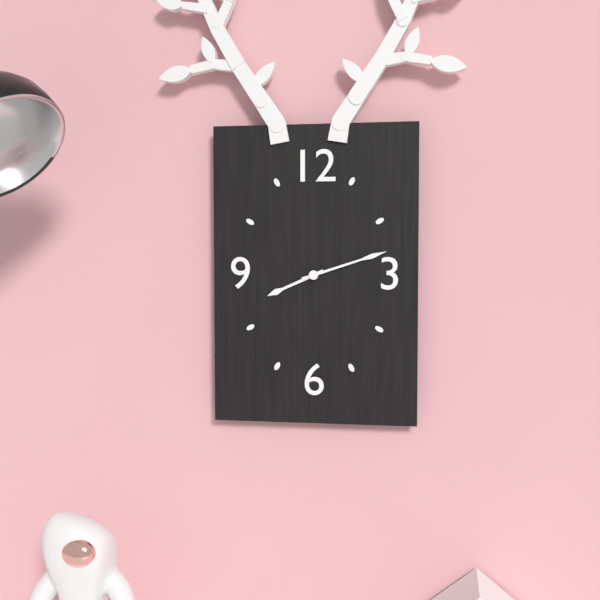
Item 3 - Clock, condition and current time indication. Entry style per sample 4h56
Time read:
8h12
